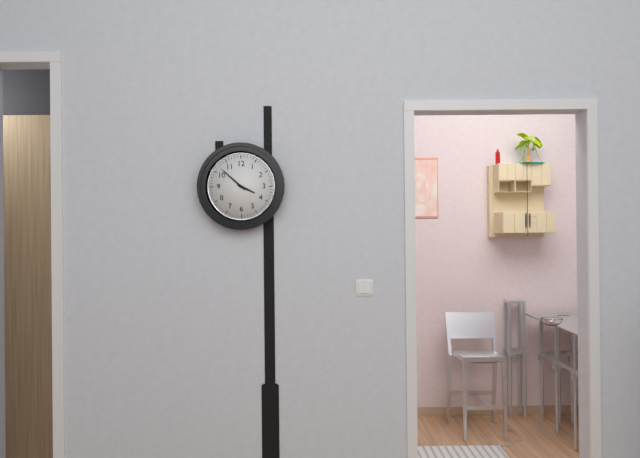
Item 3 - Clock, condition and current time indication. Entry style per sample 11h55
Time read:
3h52
